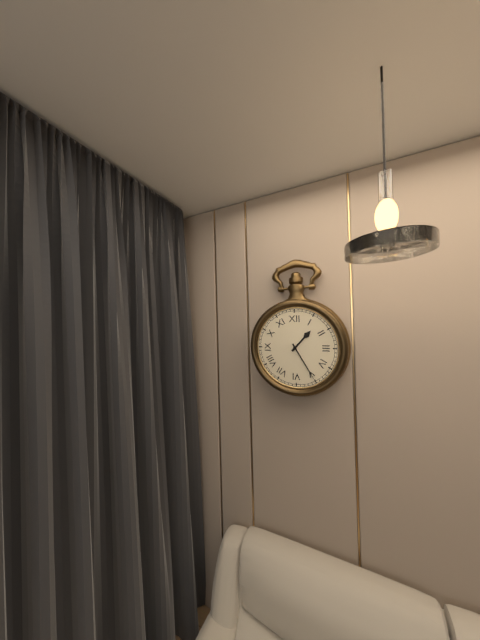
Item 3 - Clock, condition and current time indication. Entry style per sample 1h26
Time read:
1h25
